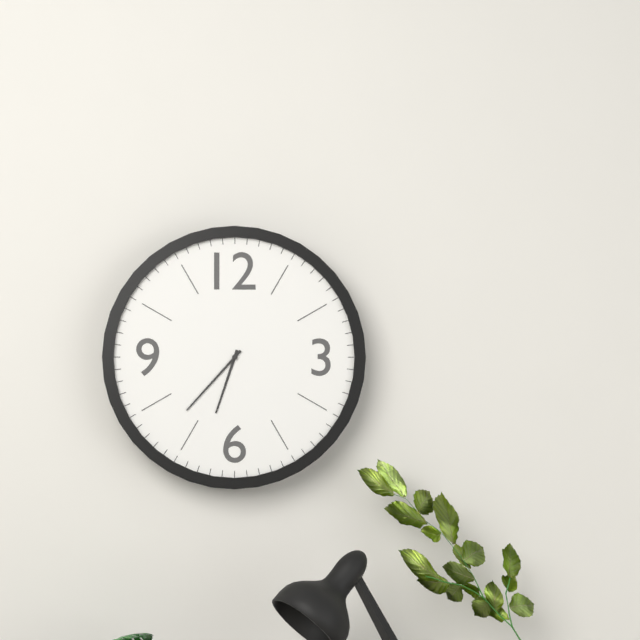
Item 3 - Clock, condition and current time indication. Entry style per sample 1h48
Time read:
6h37
